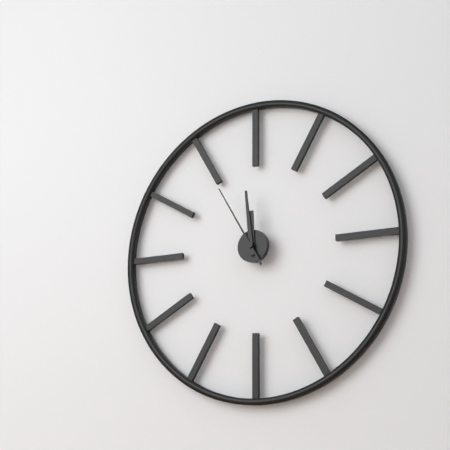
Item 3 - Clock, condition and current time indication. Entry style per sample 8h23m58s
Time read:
11h59m55s
